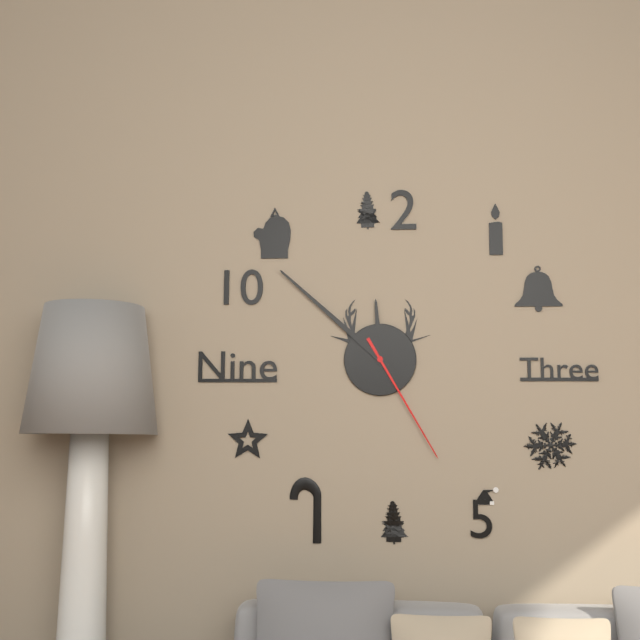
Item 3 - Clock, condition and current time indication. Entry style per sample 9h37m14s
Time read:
11h52m25s
